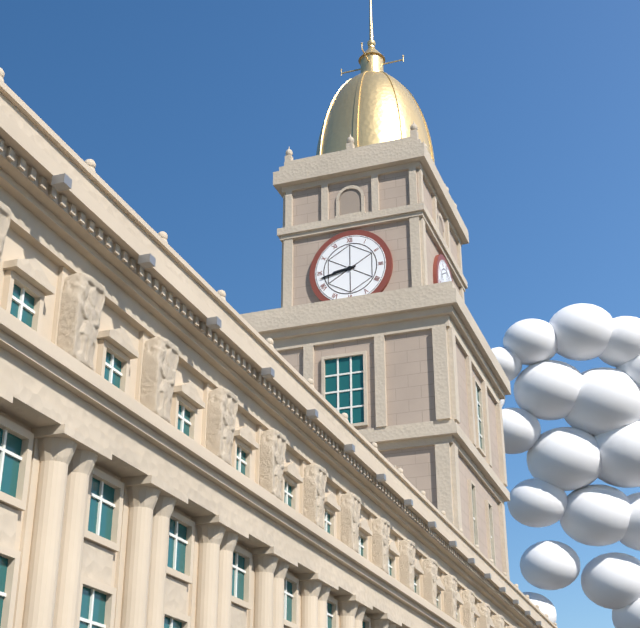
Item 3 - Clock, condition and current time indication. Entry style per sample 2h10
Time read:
8h43
